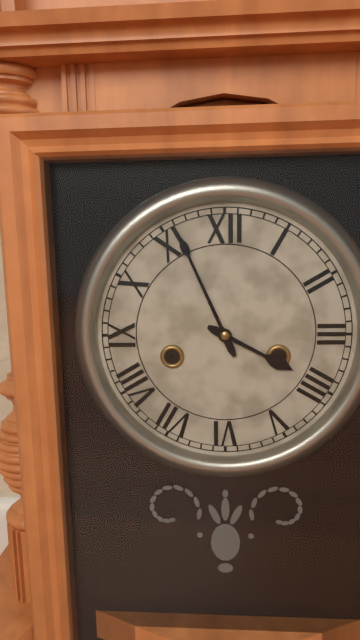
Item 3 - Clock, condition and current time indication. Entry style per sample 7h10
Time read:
3h56
